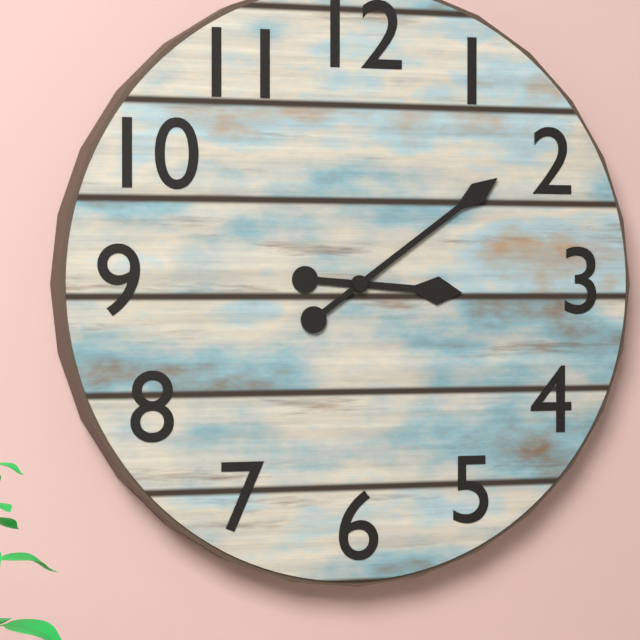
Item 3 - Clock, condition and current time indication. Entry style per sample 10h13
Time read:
3h09
